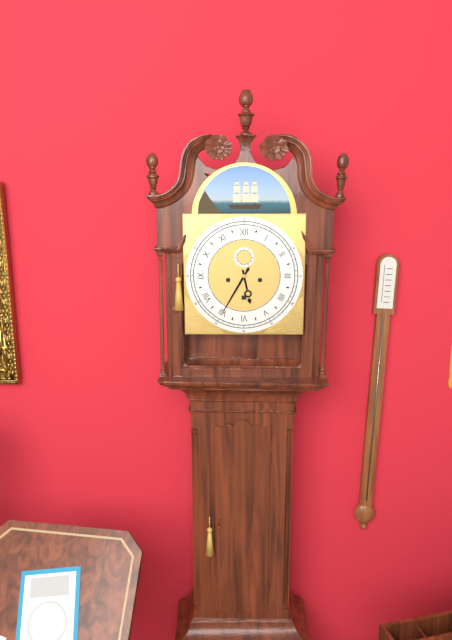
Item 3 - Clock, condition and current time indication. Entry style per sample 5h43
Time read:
5h35
